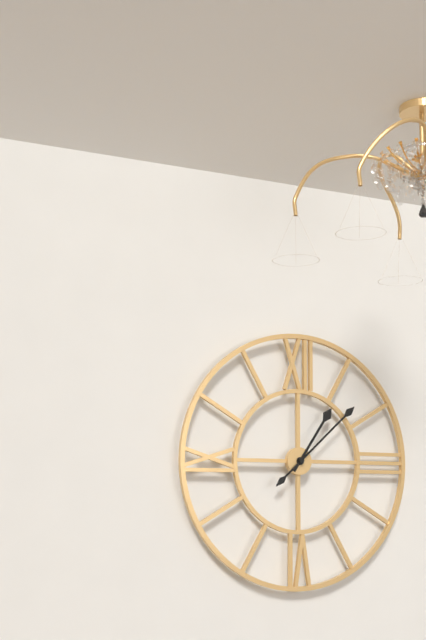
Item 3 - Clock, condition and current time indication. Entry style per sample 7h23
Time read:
1h08
